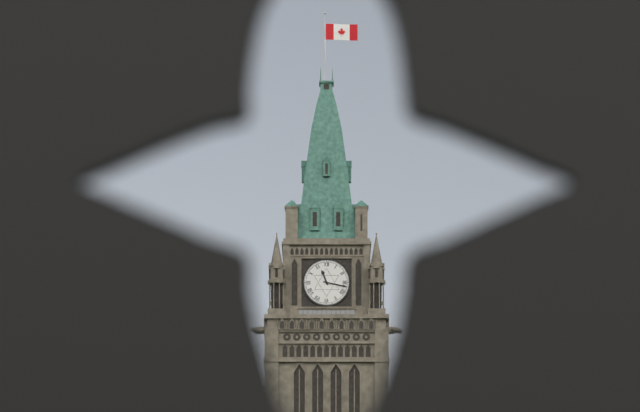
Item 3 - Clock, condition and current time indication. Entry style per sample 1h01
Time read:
11h17
